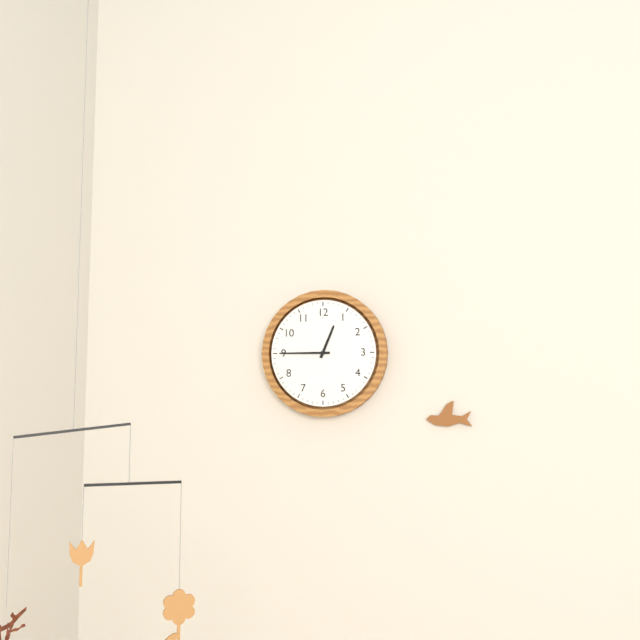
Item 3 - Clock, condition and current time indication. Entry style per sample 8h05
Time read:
12h45
